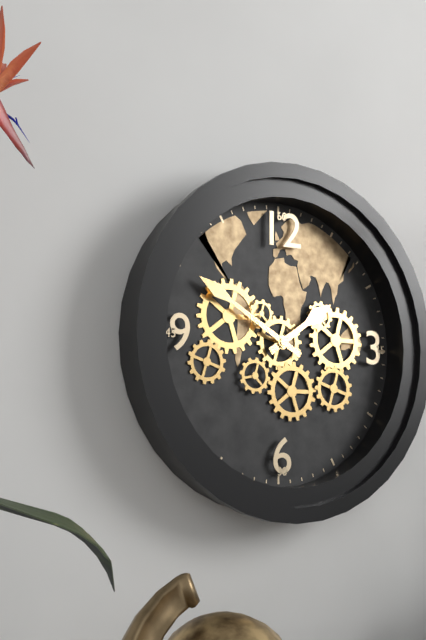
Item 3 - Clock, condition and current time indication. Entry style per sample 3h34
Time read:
1h50
